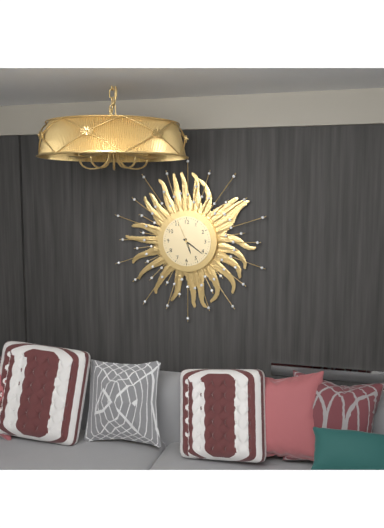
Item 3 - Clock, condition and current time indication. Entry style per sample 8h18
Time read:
5h21
